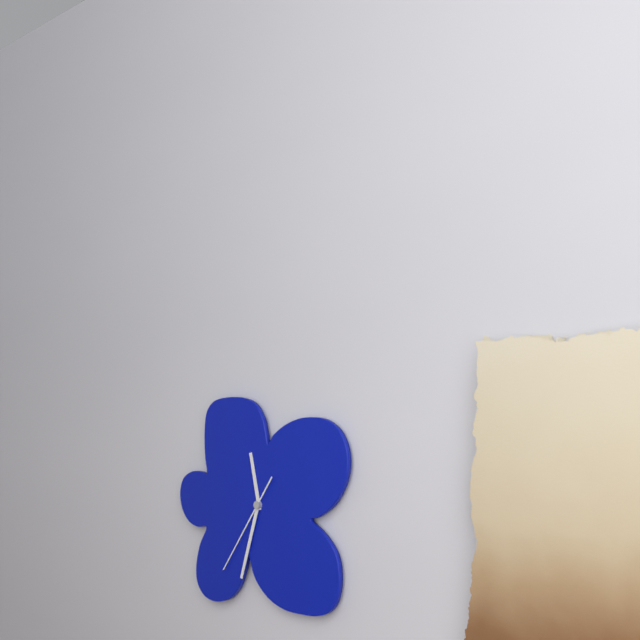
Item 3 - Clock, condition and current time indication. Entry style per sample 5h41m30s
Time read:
11h33m36s
